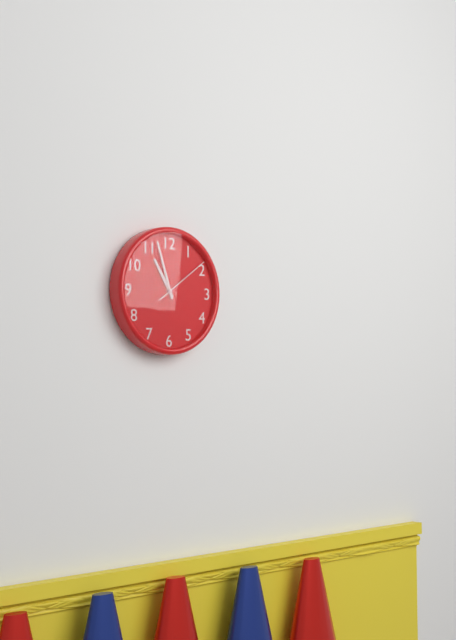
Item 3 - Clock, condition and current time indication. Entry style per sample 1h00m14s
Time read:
10h57m09s
